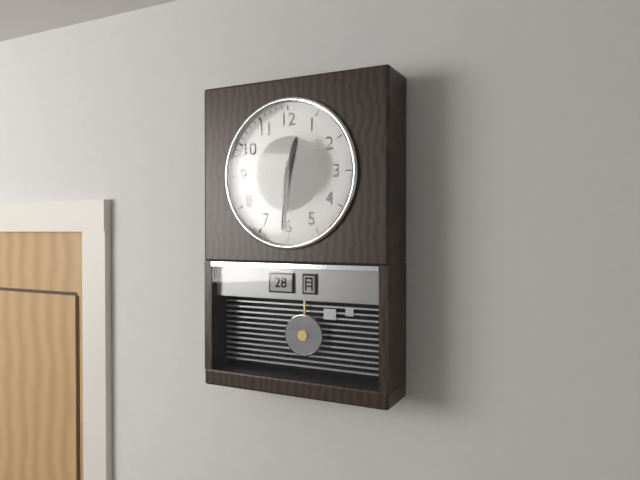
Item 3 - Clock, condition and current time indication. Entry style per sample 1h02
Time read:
12h31
